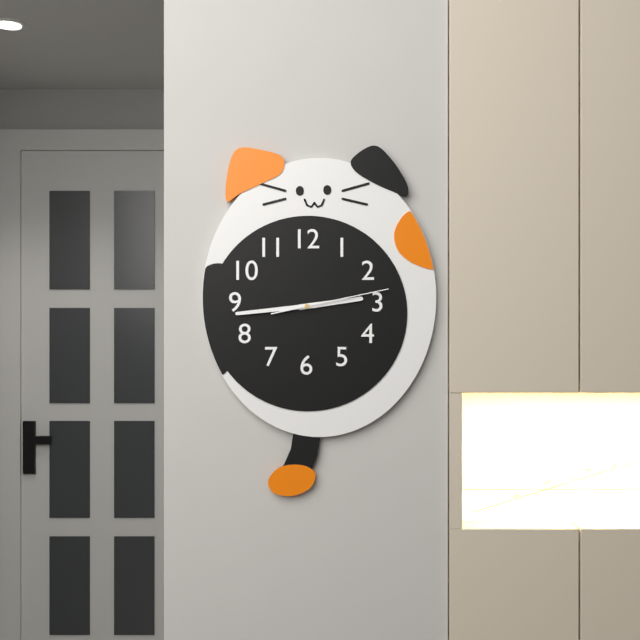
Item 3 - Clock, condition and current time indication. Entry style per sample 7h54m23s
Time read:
2h44m13s
